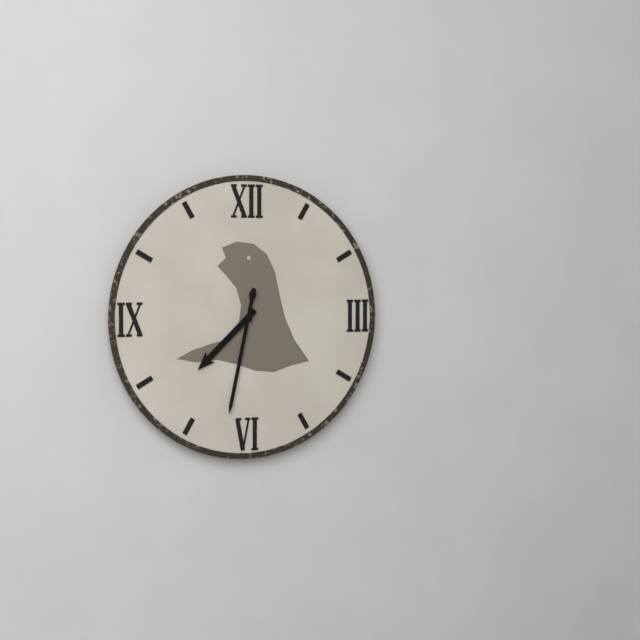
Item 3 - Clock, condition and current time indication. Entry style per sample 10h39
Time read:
7h32
